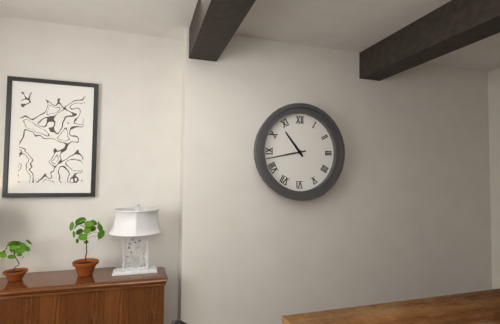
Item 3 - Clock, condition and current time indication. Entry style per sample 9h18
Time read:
10h43
